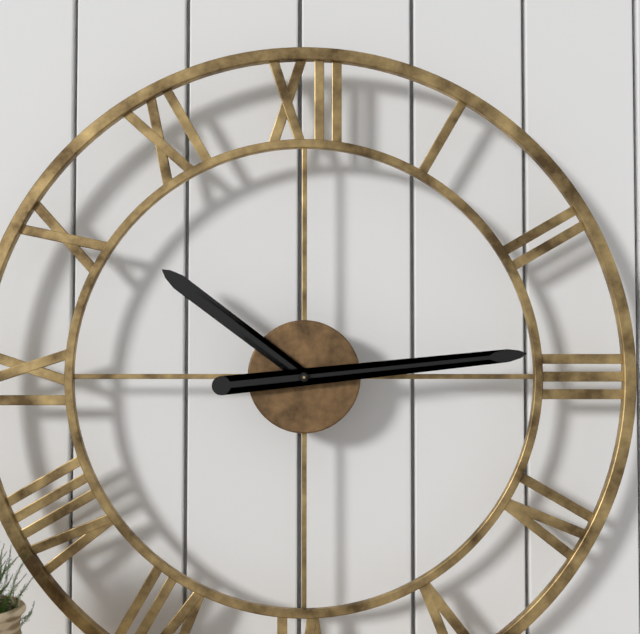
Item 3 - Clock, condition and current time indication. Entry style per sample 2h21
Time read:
10h14
